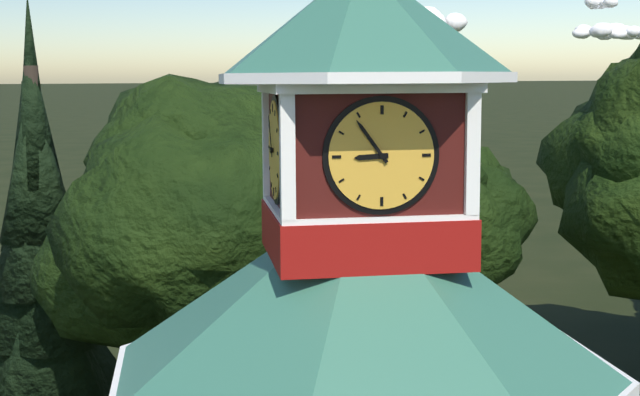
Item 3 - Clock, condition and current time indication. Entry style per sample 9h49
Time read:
8h54
